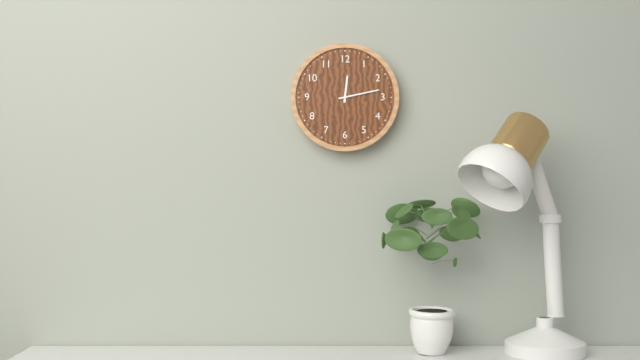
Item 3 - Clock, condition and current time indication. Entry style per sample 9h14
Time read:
12h13
